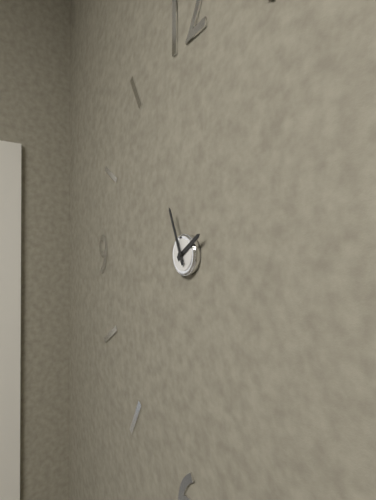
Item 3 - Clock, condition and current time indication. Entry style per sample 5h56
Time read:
1h56
